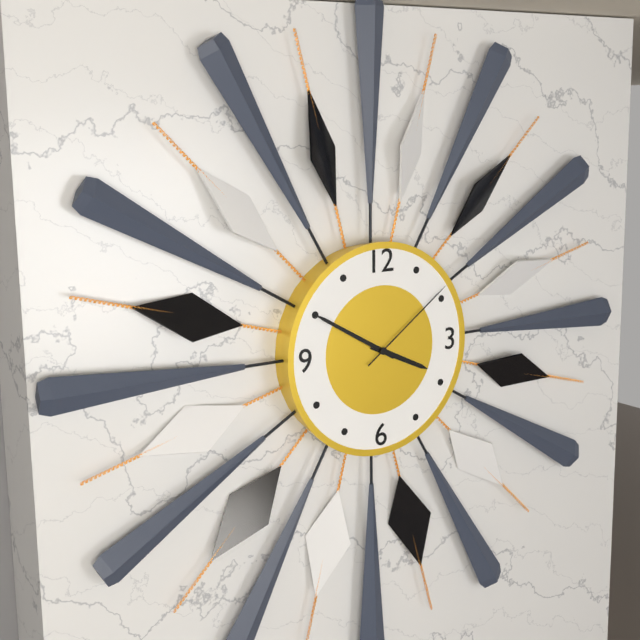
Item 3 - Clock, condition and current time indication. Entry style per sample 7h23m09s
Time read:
3h50m09s
